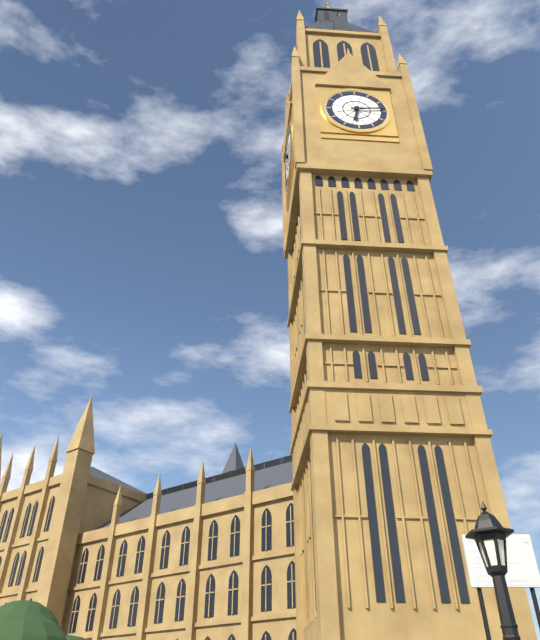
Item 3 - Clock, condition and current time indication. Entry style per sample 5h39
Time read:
6h14
